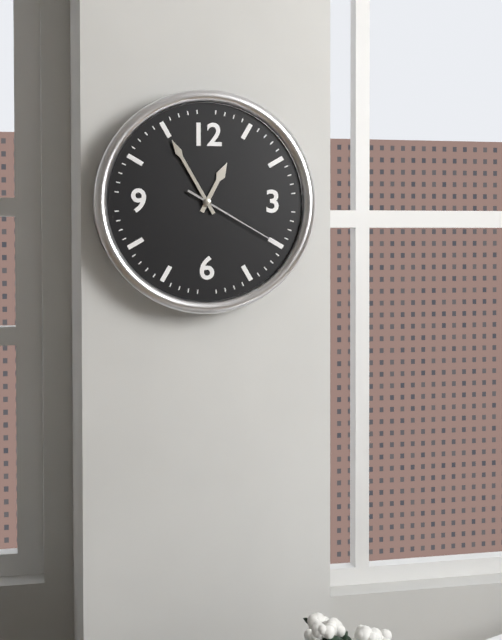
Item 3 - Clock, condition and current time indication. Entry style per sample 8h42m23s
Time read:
12h55m20s
